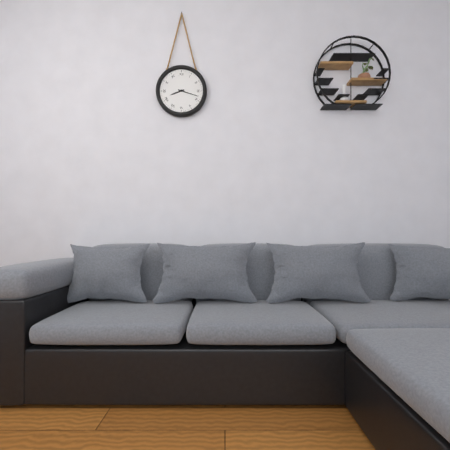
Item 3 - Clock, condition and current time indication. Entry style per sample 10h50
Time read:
8h18
